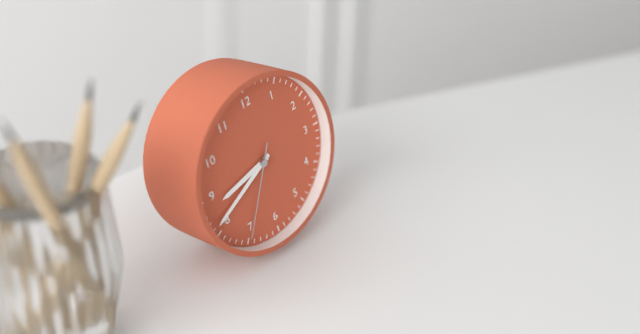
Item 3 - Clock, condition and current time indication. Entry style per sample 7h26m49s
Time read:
8h41m35s
